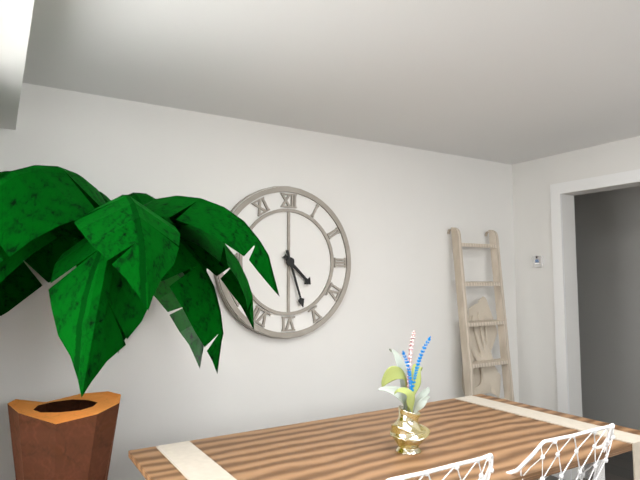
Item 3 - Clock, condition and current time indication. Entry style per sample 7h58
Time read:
4h27
